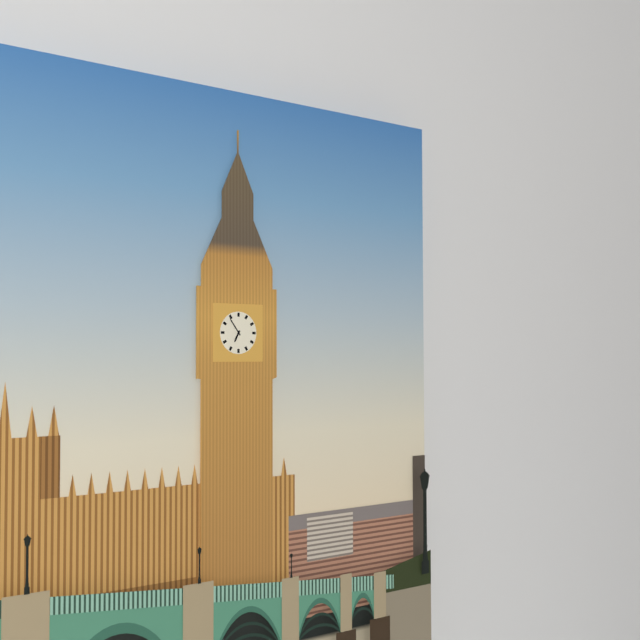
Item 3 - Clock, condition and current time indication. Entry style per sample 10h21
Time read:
6h54
